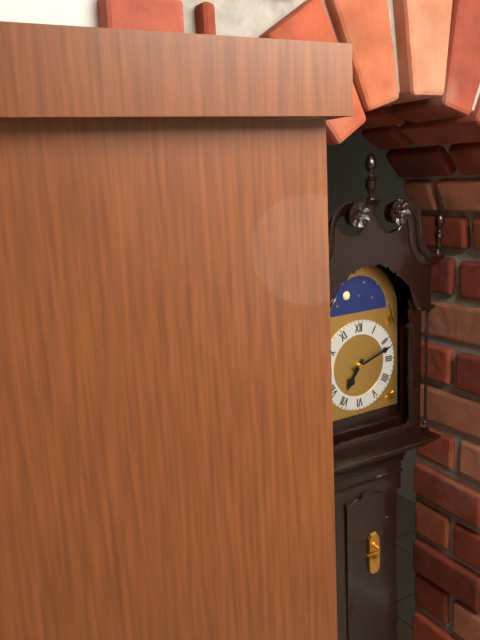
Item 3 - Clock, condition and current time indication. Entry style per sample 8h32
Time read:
7h12
